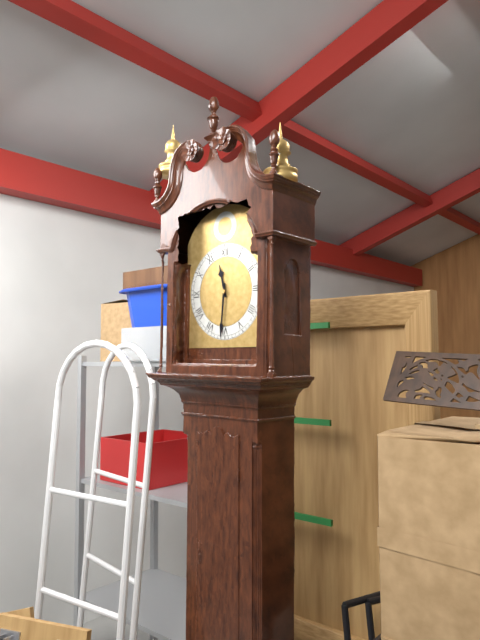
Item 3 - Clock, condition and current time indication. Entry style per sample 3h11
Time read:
11h31
